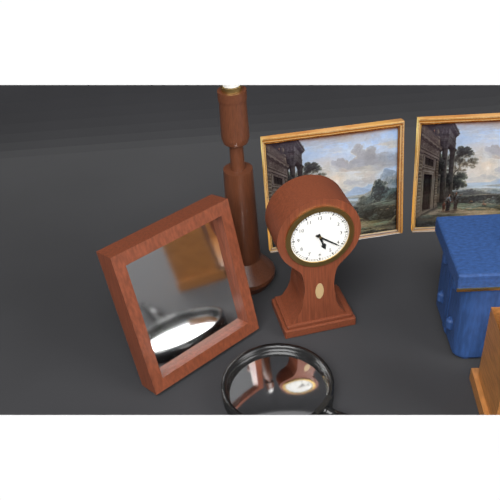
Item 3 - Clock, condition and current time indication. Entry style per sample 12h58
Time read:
5h21
